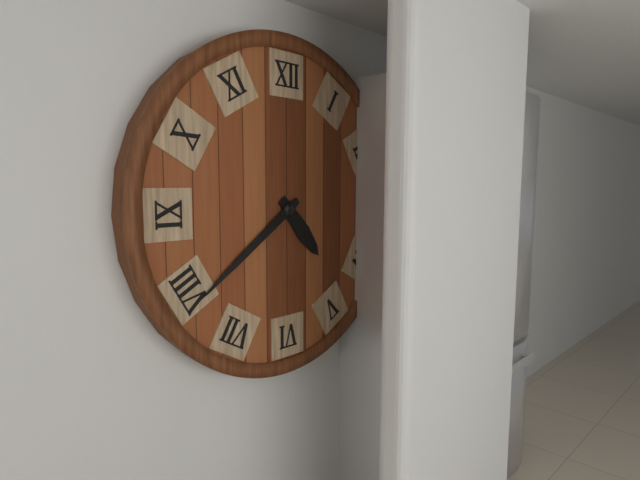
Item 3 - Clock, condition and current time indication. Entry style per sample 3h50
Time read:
4h39
